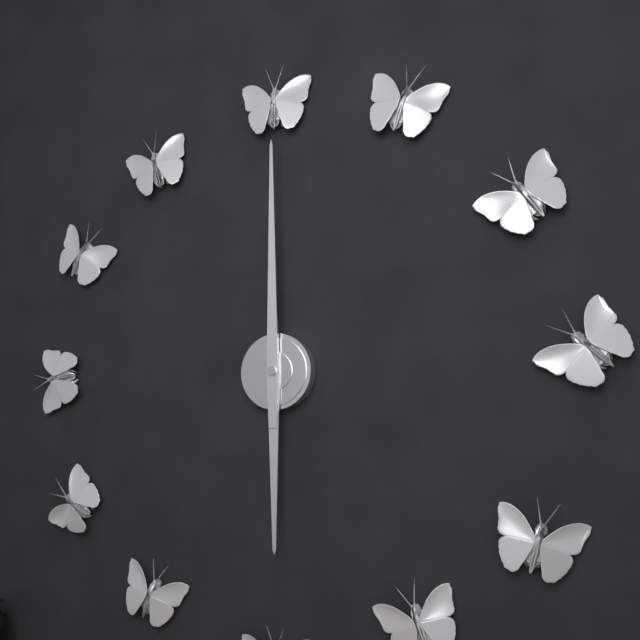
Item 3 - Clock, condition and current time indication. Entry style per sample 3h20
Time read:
6h00
